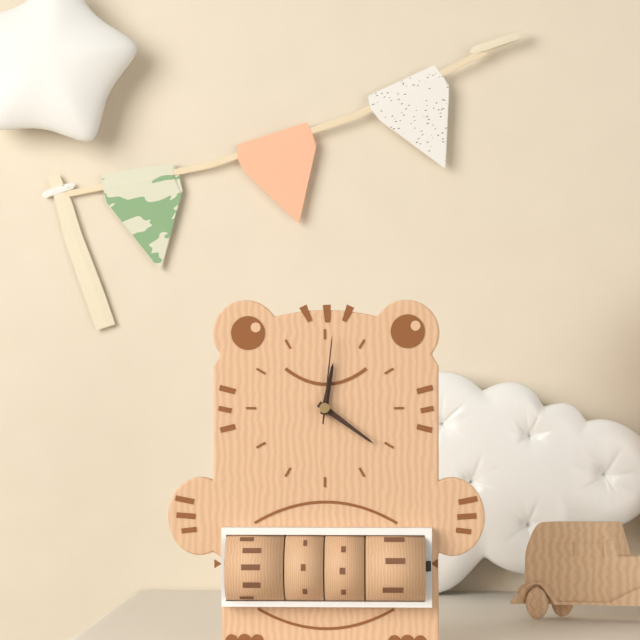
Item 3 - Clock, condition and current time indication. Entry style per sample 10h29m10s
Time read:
12h21m01s
